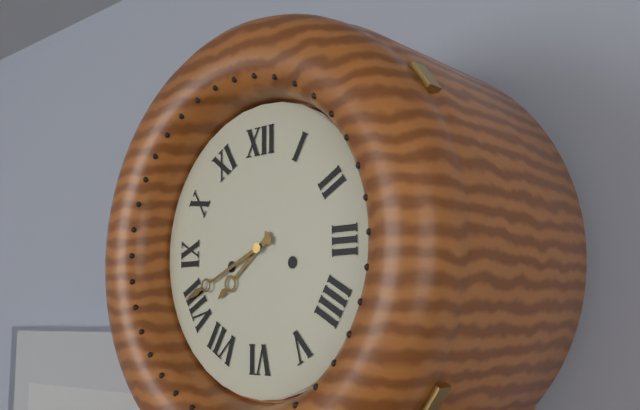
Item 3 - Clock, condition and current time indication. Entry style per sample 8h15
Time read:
7h41
